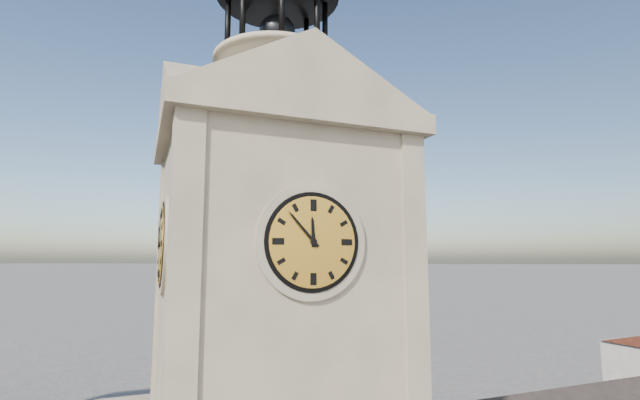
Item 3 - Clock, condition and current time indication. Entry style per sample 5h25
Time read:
11h53
